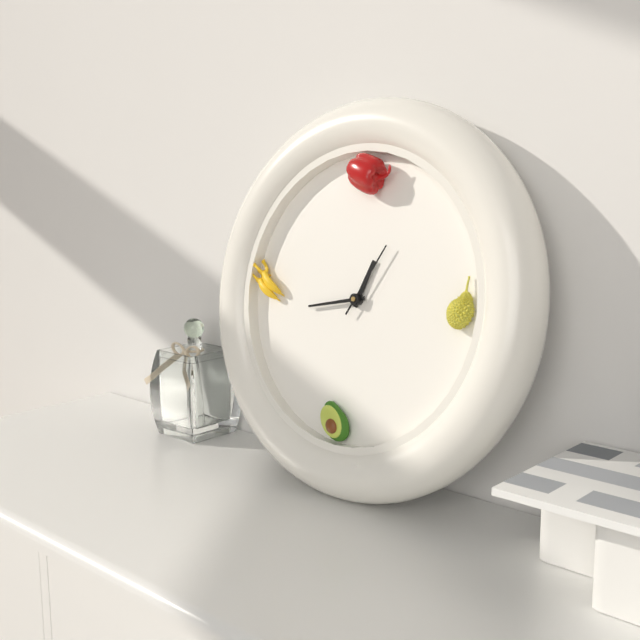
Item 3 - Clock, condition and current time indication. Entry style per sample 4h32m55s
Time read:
12h43m05s
